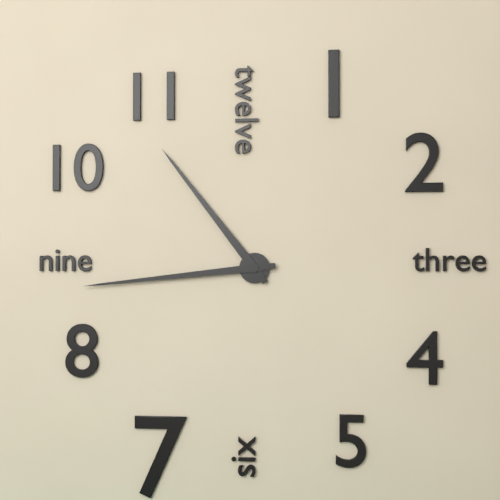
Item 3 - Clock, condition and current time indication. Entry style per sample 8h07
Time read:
10h44
